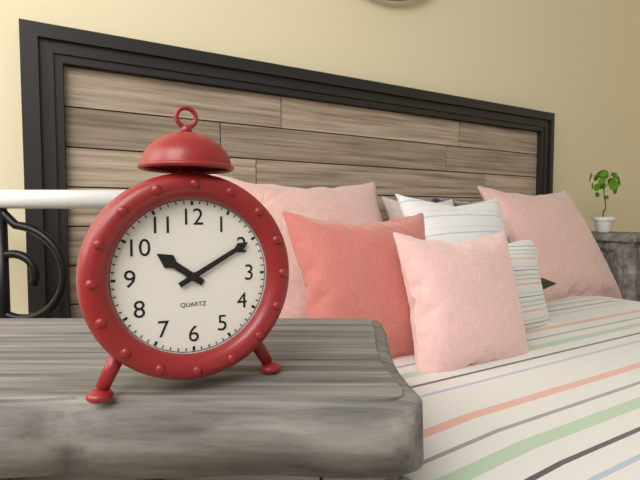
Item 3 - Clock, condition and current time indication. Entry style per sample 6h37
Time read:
10h10
